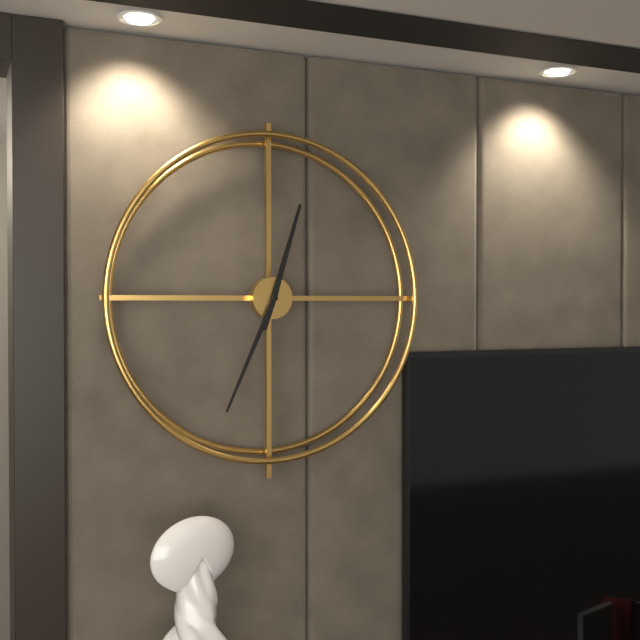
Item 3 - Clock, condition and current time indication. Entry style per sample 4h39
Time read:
12h34
